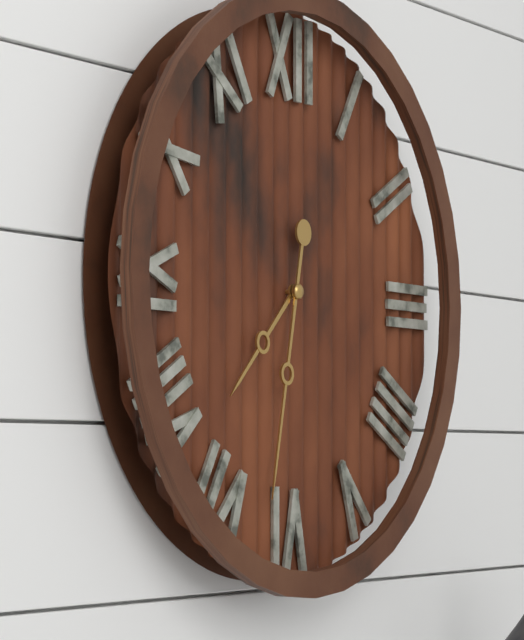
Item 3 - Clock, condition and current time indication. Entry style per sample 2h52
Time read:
7h32
